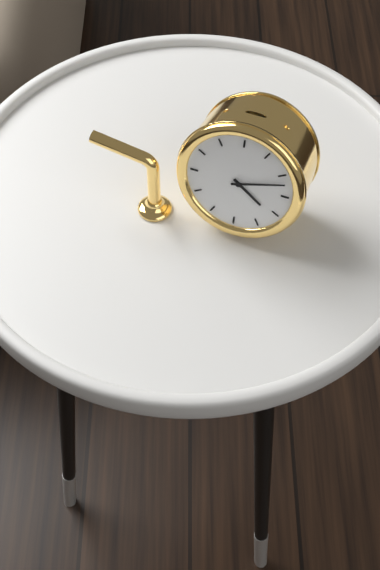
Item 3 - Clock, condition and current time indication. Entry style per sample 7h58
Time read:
4h12
